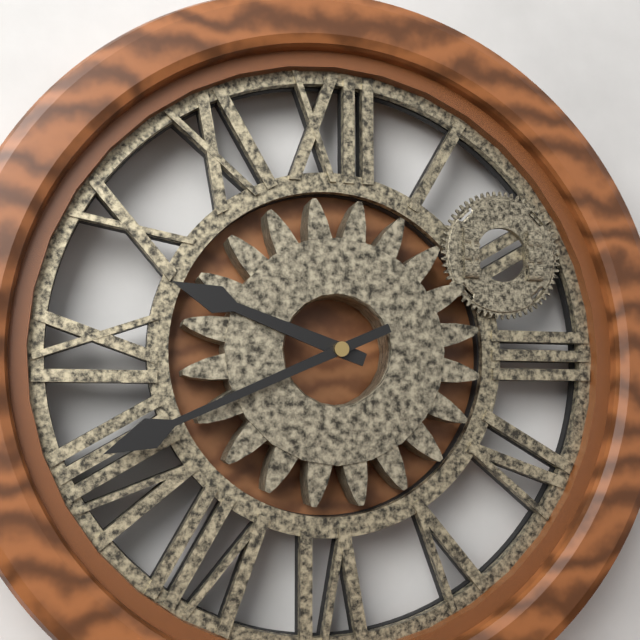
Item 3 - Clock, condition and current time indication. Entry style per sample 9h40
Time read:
9h41
